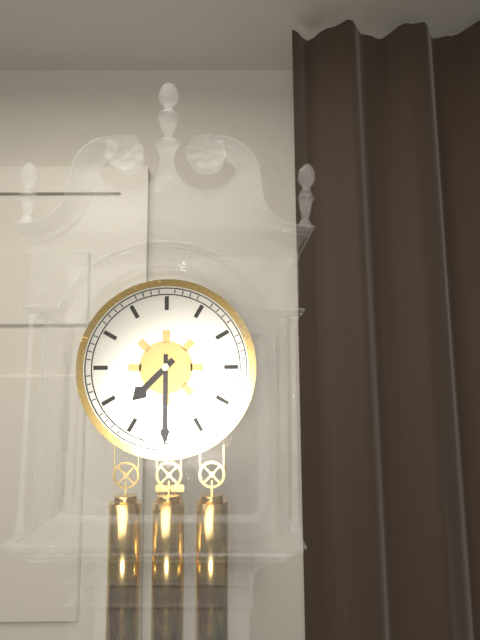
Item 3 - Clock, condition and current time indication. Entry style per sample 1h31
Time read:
7h30
